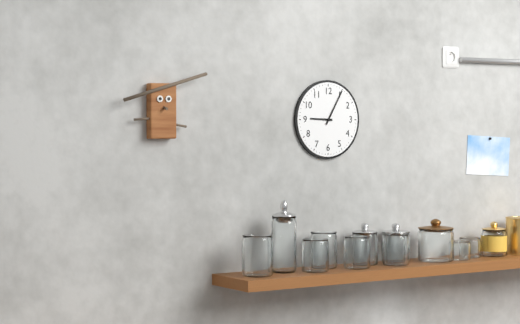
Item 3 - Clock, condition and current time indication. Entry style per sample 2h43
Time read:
9h05
